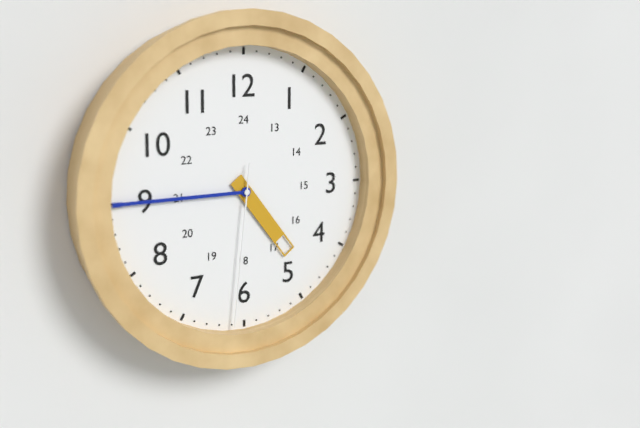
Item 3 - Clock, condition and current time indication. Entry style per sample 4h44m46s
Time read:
4h45m31s
